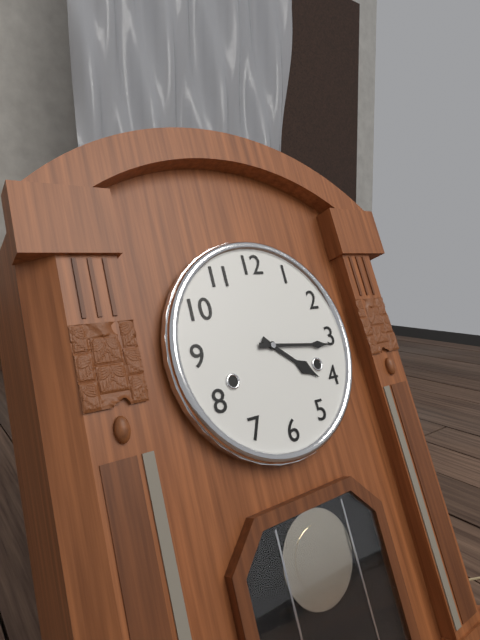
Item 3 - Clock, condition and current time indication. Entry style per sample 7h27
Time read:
4h16
